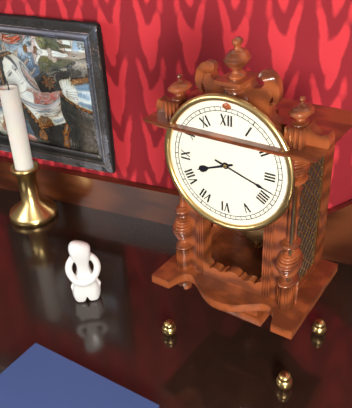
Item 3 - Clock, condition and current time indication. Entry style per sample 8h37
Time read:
8h18
